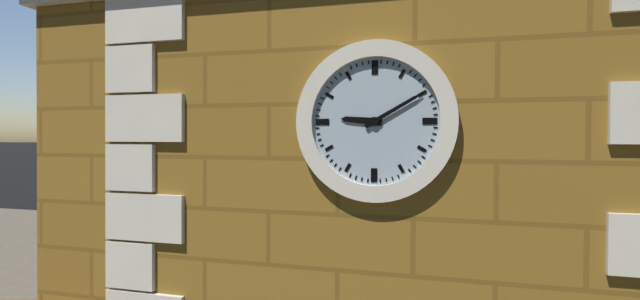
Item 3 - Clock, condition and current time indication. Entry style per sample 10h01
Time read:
9h10
